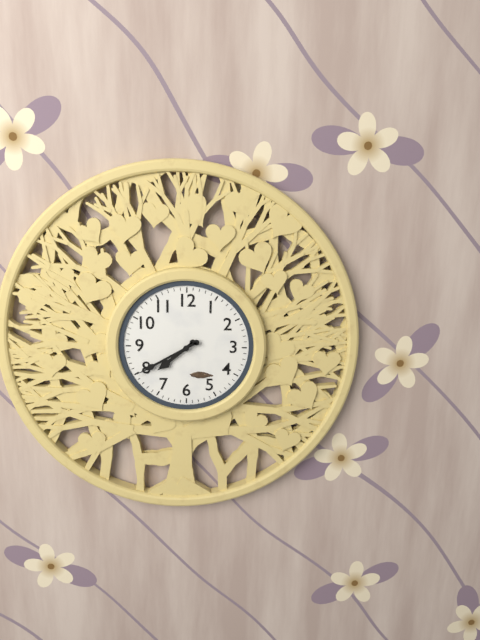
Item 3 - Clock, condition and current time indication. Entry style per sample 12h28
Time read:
7h40
